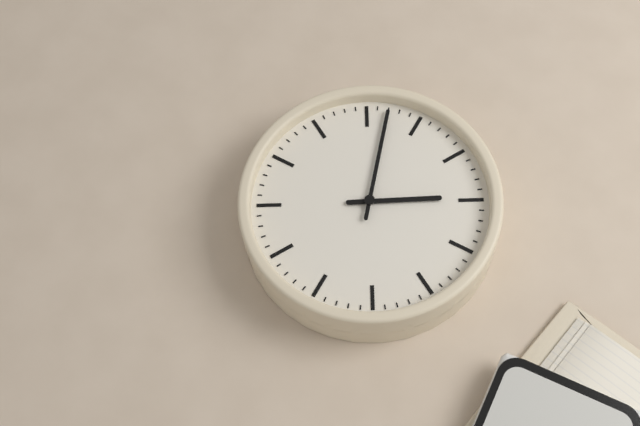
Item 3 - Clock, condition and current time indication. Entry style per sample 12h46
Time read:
1h57
